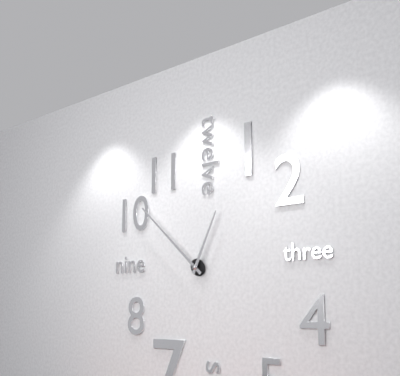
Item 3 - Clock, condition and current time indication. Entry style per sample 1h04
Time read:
12h52
